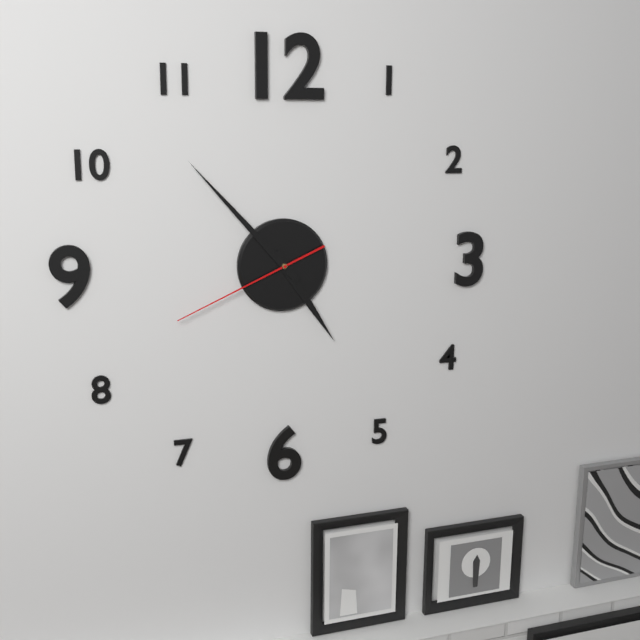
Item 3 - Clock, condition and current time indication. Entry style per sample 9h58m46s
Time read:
4h53m41s
